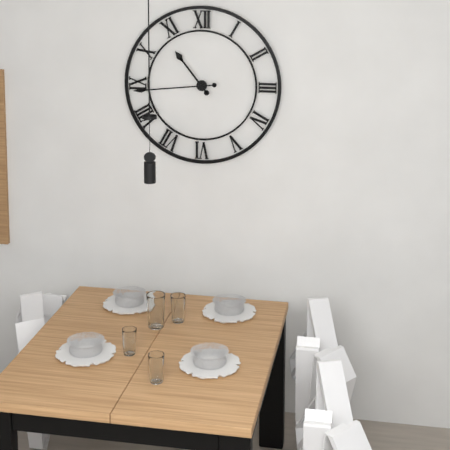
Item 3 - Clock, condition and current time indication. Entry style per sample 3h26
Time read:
10h44
